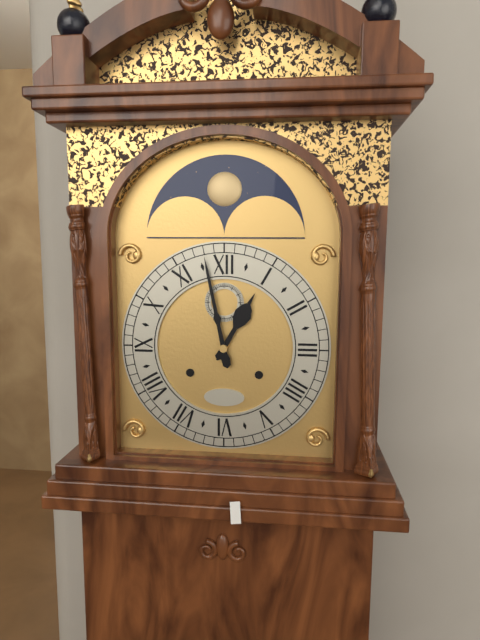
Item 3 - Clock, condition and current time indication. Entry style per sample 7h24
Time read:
12h58
